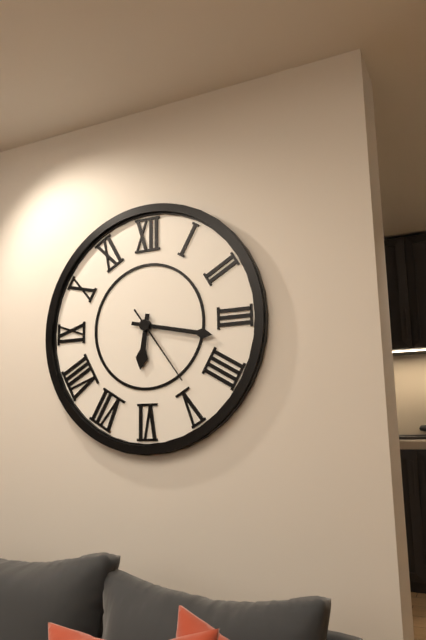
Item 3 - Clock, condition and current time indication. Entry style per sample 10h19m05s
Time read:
6h17m24s
